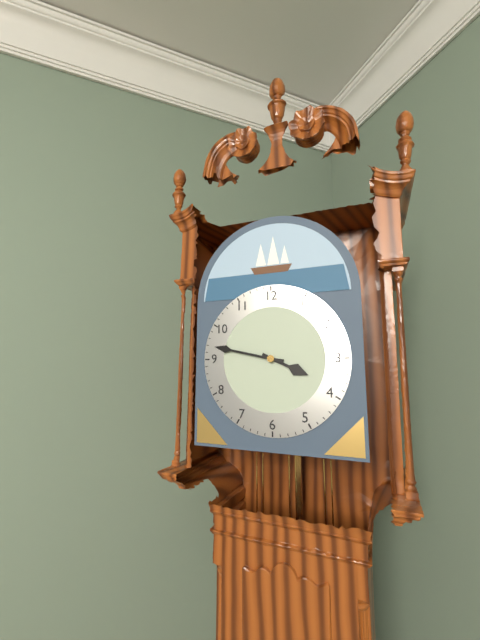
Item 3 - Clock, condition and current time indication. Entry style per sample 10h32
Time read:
3h47
